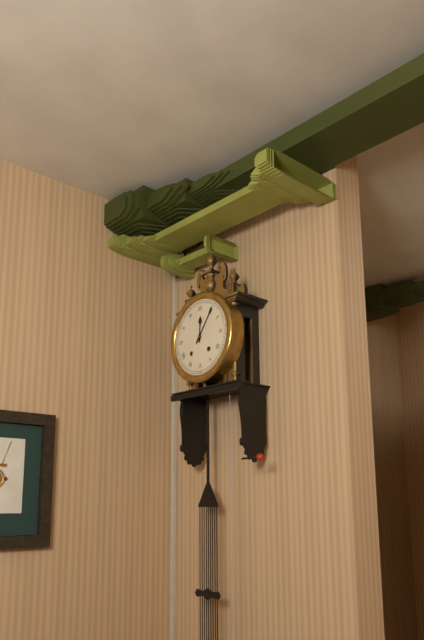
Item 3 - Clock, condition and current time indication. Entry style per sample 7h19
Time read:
12h06
